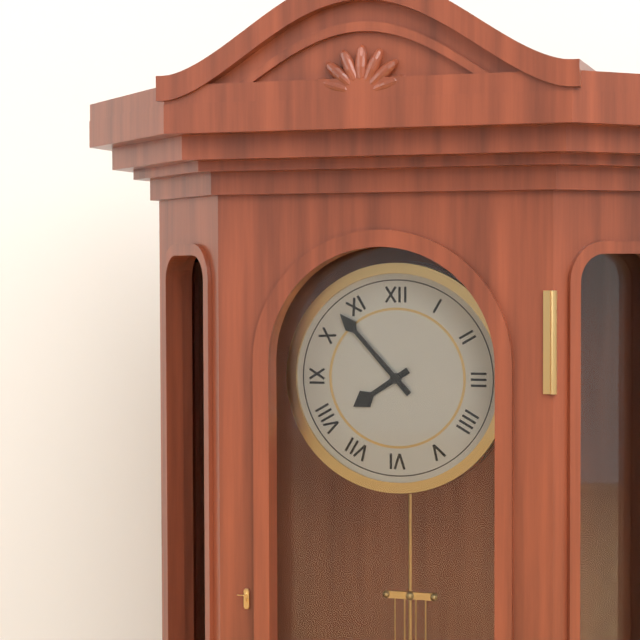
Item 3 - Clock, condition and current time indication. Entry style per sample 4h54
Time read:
7h53
